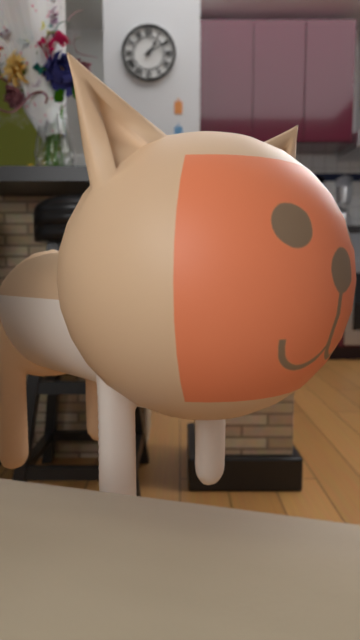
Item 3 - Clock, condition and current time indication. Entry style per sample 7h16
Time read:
1h10
